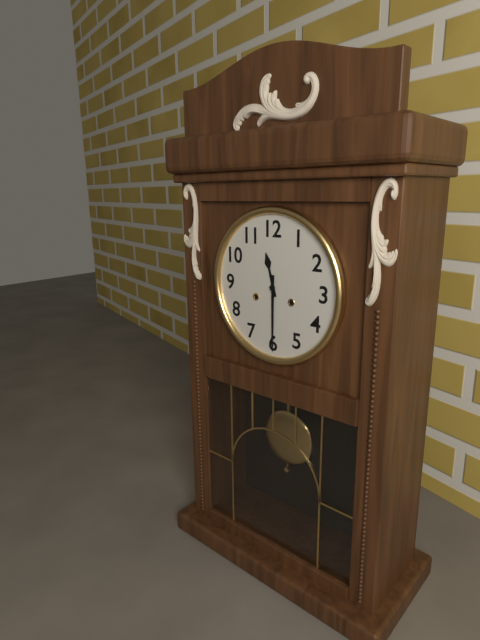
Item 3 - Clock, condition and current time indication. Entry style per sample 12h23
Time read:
11h30
